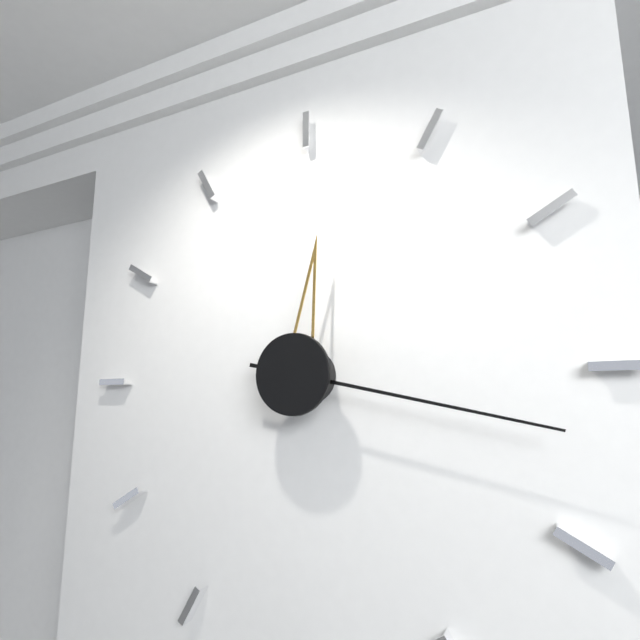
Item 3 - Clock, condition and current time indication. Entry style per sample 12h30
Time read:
12h17
